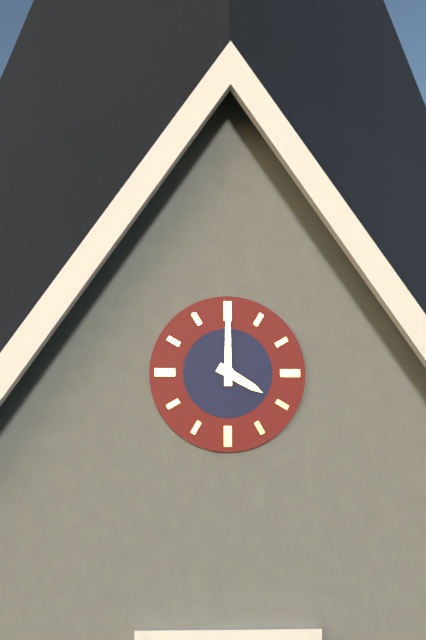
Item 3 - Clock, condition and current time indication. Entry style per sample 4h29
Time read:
4h00
